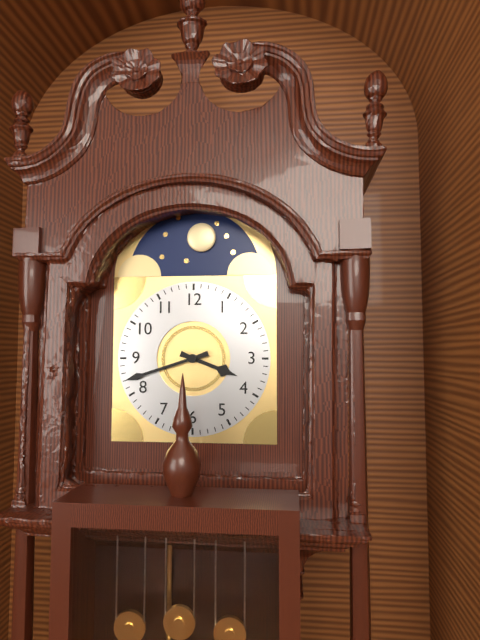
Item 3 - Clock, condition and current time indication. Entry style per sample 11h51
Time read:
3h42
